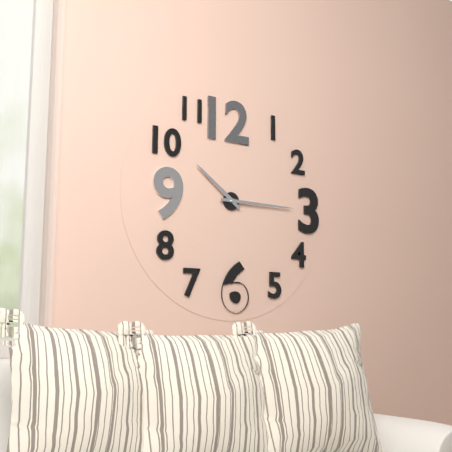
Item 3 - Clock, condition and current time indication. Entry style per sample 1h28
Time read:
10h15
